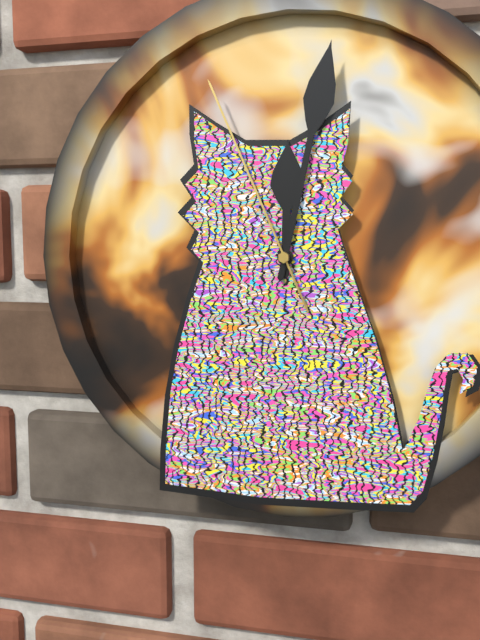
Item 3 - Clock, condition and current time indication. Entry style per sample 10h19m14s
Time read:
12h02m56s
